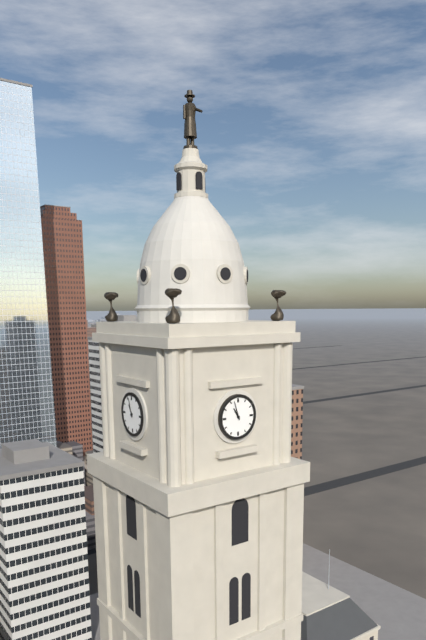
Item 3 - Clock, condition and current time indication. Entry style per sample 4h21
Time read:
10h57
